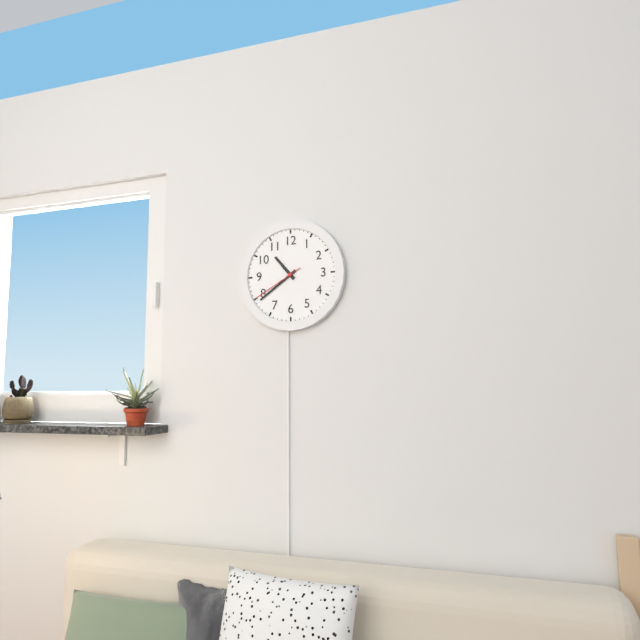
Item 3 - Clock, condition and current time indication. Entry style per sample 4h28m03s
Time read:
10h39m40s
